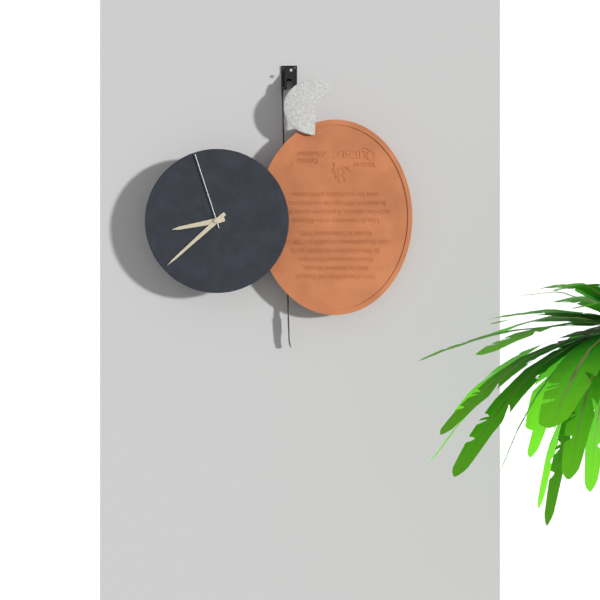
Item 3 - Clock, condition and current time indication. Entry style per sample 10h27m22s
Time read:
8h38m57s
